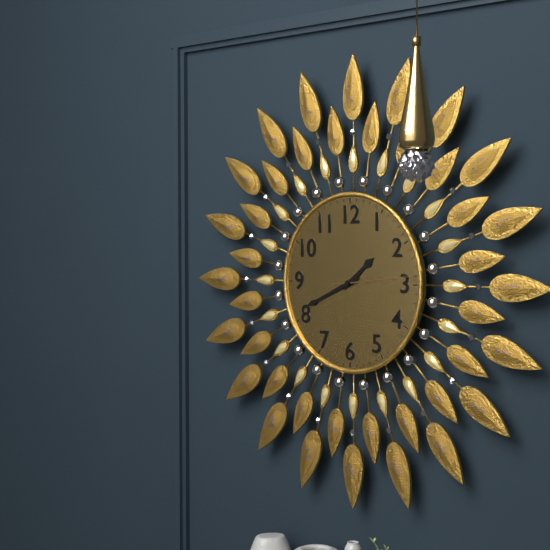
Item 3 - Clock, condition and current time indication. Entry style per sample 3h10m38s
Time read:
1h41m14s
